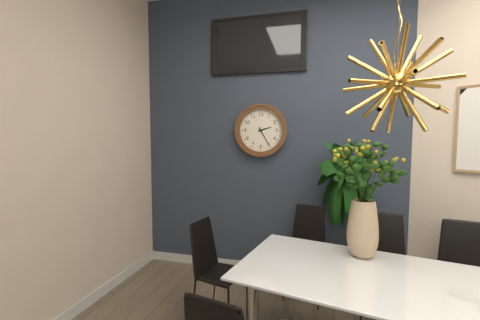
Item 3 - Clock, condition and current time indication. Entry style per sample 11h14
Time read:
2h25
